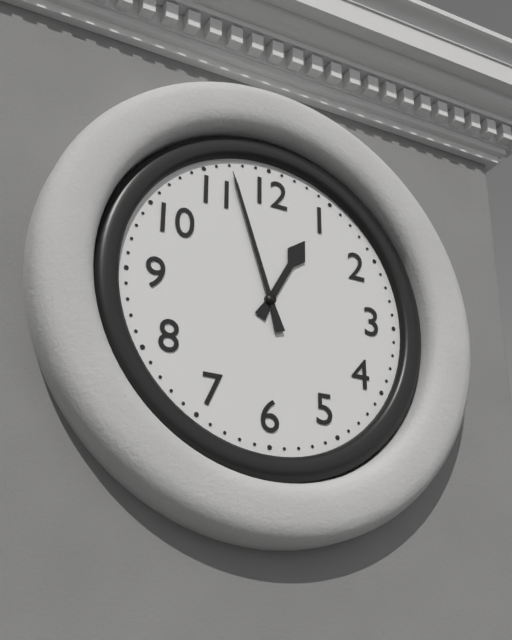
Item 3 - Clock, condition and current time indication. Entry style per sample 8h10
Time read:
12h57
